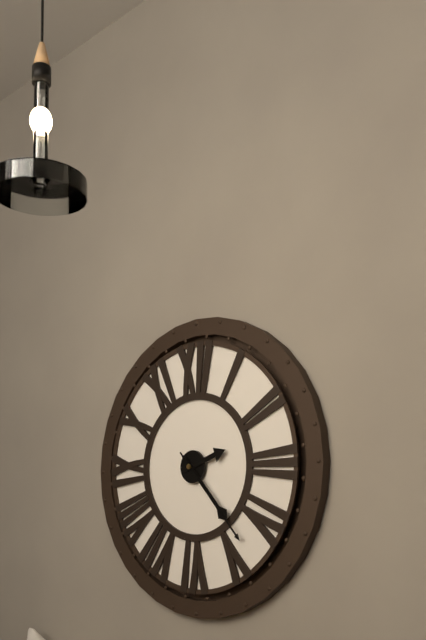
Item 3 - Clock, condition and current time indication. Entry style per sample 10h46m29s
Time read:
2h23m23s
